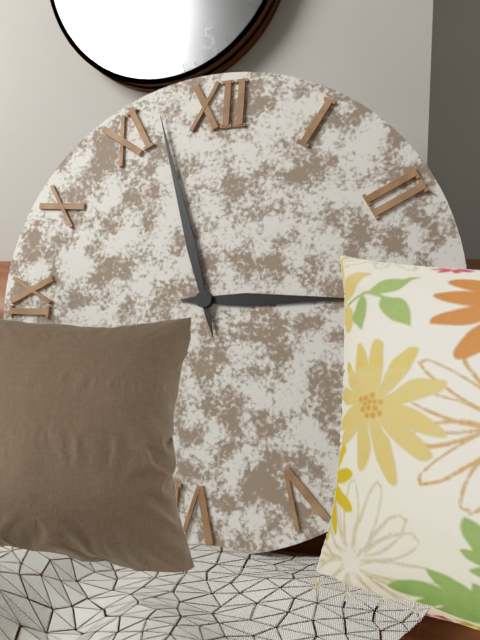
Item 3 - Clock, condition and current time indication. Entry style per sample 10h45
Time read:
2h57
